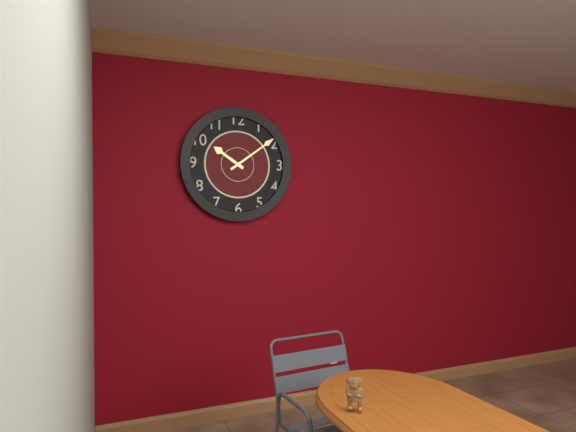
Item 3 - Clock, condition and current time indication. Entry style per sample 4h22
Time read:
10h09
